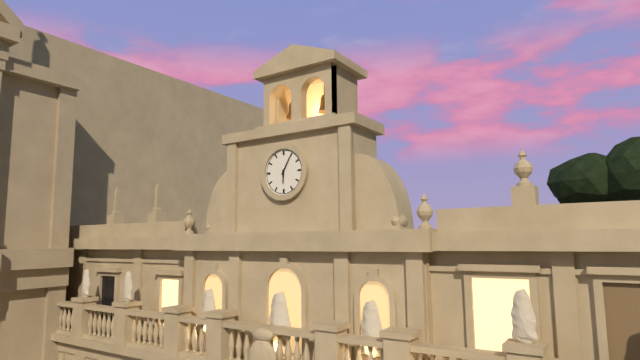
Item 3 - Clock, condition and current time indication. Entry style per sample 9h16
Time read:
6h05
